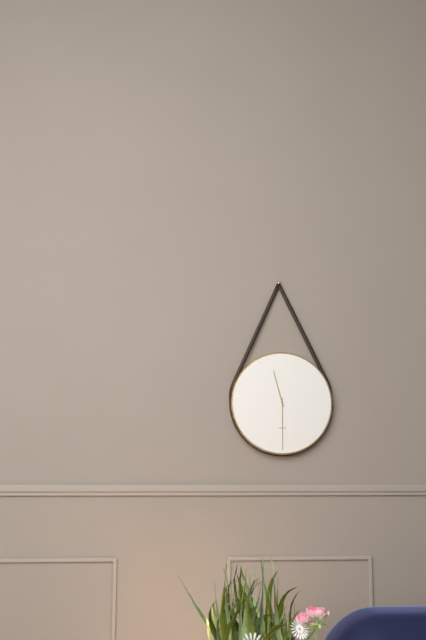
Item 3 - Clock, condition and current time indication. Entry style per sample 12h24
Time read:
11h30
